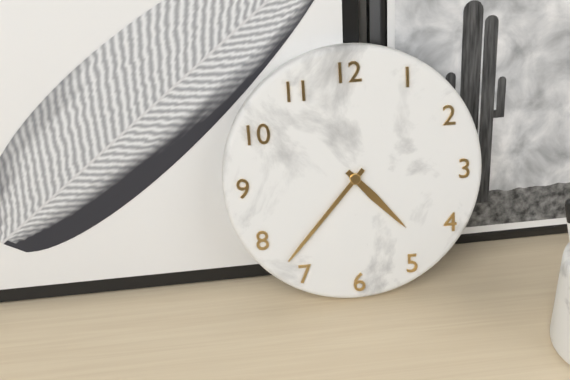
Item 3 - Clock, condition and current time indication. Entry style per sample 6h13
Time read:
4h37
